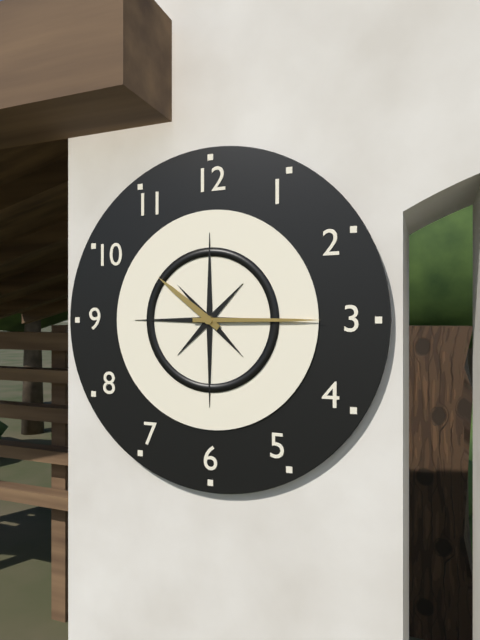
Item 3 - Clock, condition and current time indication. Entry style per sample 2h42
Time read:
10h15
